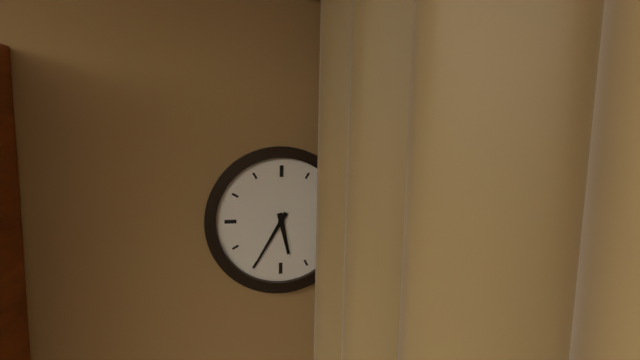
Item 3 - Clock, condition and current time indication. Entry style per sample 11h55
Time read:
5h35
